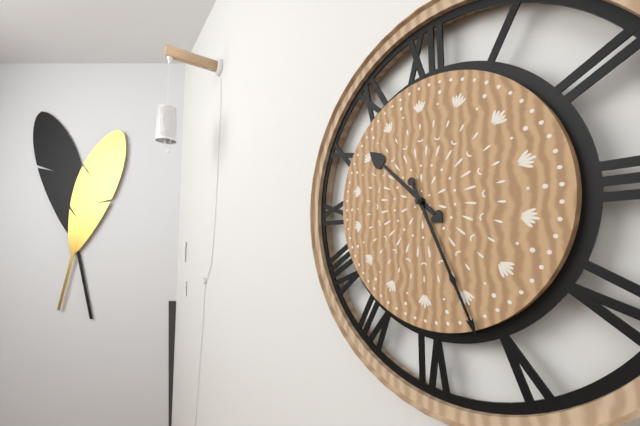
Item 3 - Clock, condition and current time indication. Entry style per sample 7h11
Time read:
10h26
